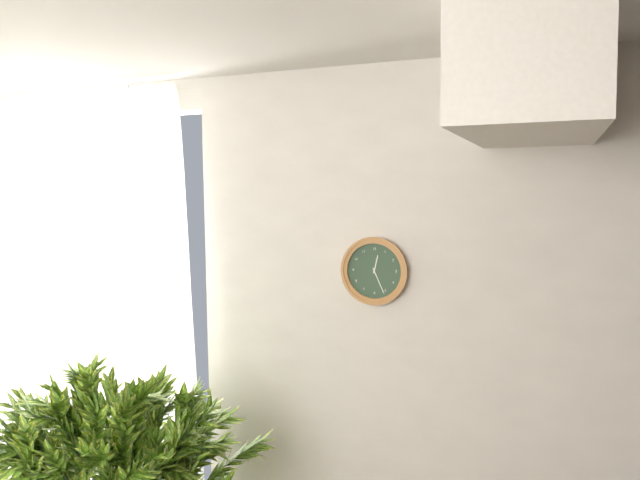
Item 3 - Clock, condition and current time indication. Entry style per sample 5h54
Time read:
12h26
